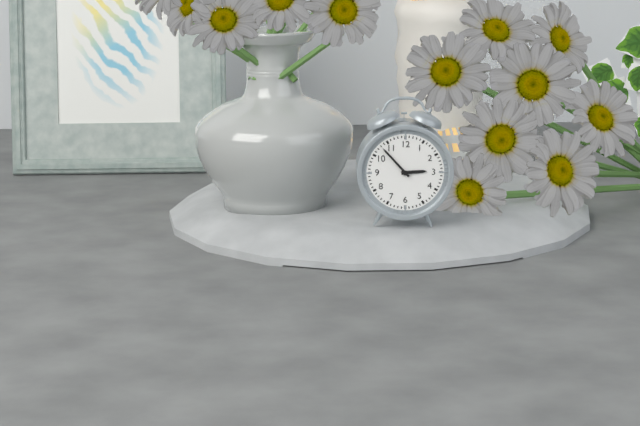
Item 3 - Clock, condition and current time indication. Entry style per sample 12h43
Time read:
2h53
